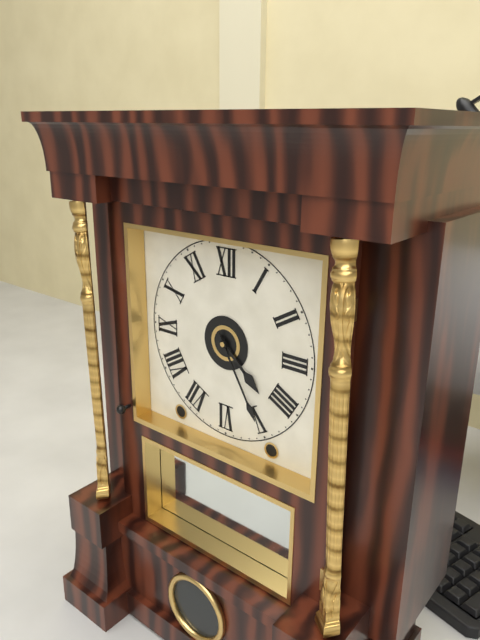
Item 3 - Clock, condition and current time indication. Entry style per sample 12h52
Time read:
4h25
